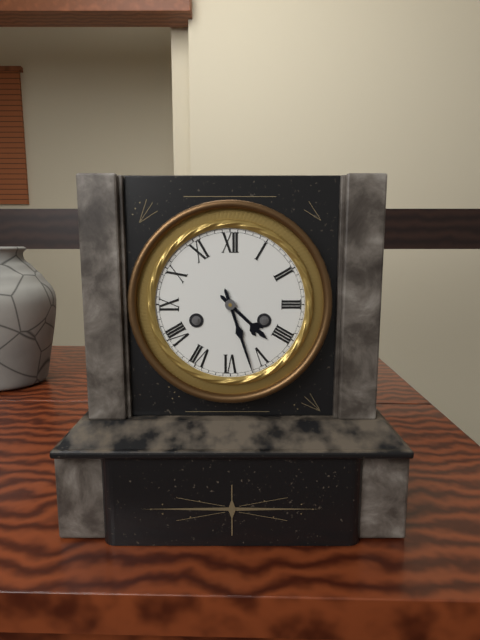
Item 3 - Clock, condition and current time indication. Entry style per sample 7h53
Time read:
4h27
